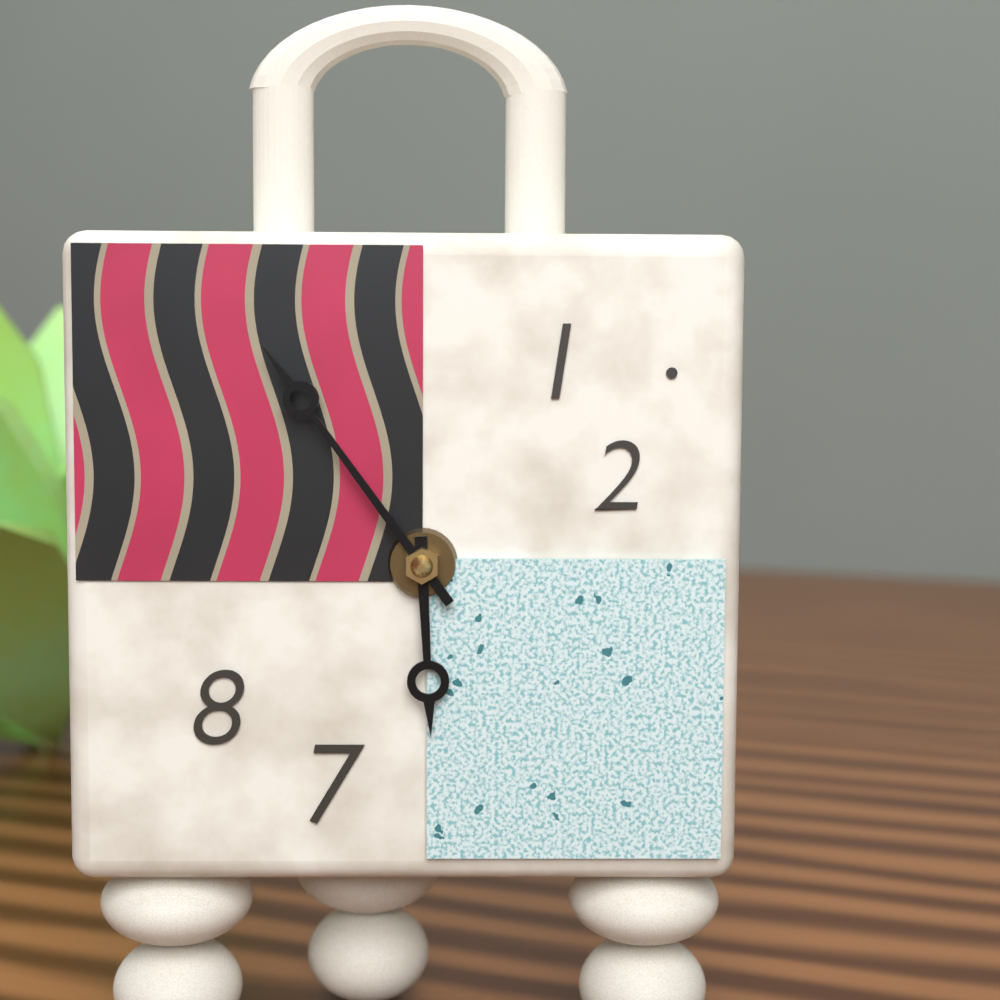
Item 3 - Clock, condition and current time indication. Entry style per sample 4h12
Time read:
5h54
